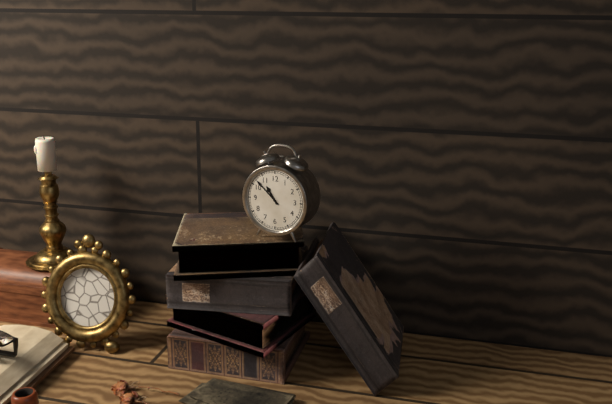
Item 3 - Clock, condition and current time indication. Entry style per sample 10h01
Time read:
10h52
